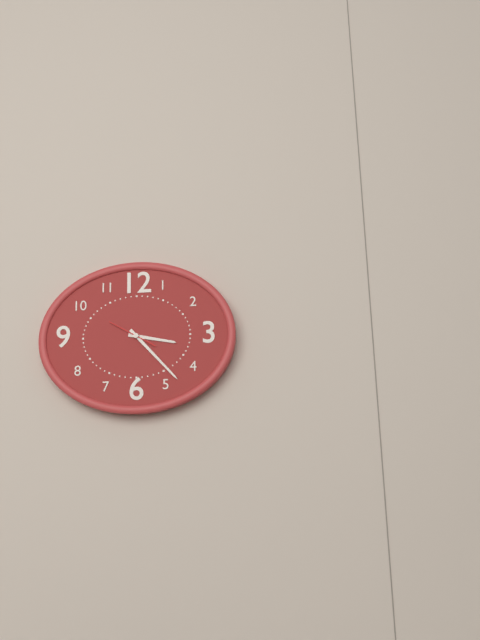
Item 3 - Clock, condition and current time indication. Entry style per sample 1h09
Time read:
3h23
